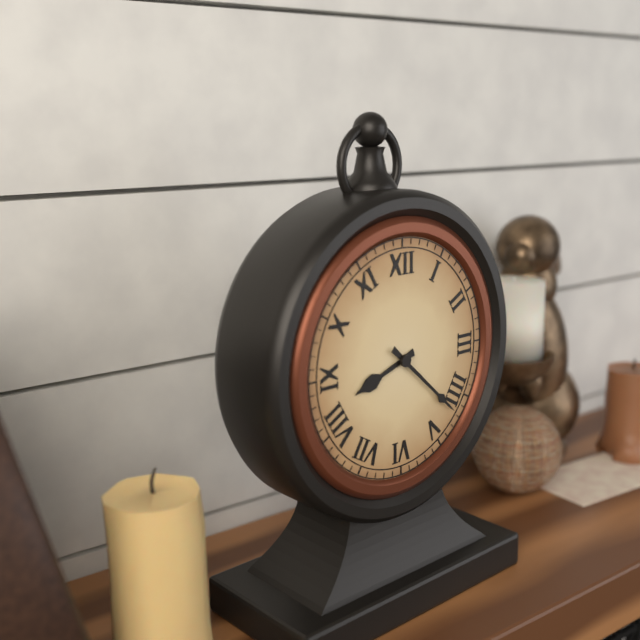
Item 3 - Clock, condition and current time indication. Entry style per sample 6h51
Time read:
8h22
